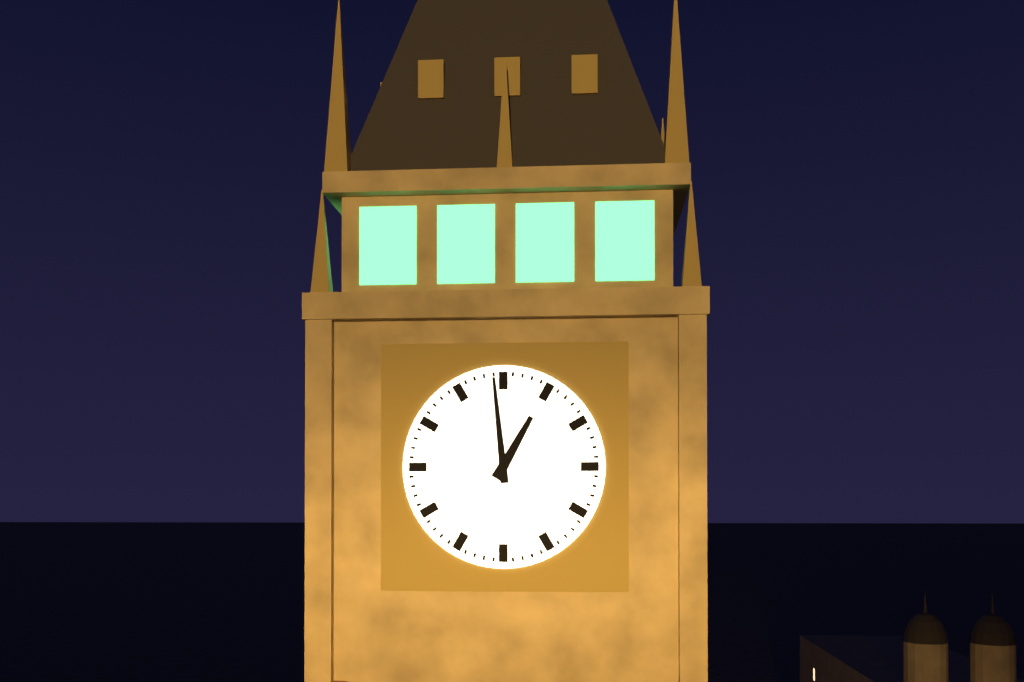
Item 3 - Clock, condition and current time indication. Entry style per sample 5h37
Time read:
12h59
